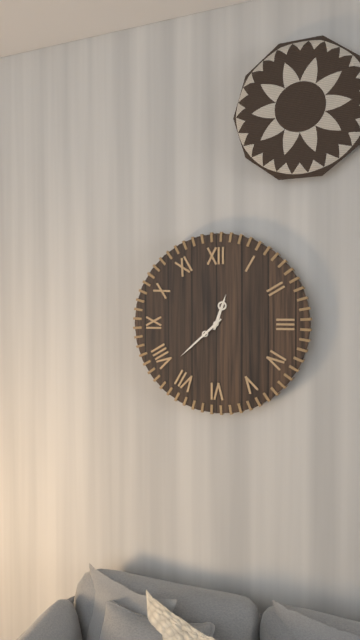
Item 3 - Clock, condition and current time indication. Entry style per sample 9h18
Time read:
12h38
